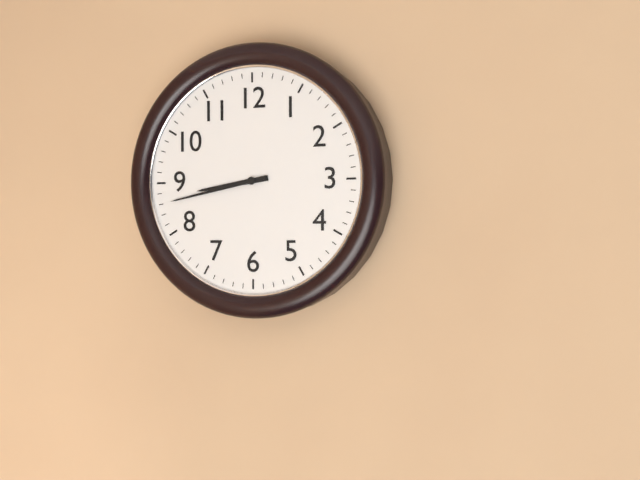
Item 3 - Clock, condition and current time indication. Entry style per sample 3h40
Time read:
8h43
